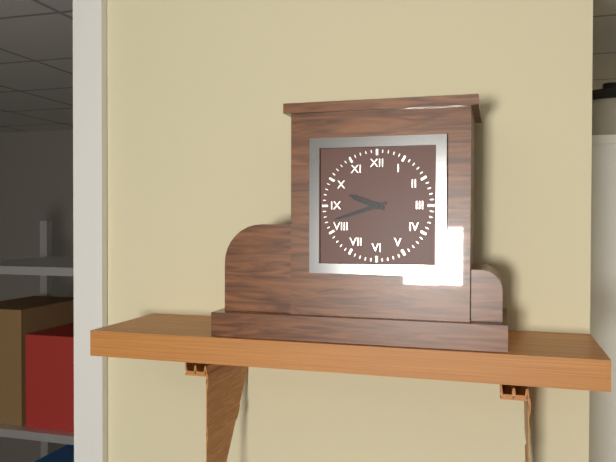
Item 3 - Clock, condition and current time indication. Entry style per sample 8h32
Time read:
9h42
